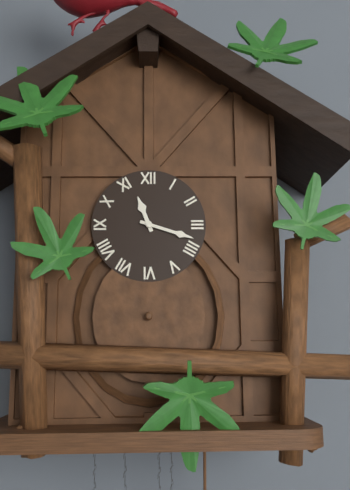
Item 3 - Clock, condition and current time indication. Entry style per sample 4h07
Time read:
11h18
